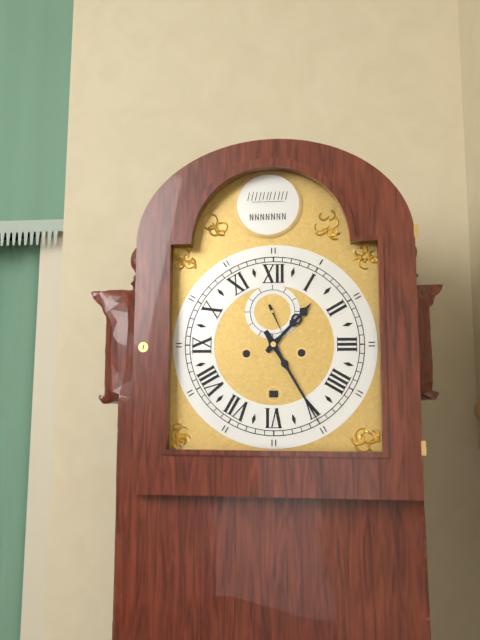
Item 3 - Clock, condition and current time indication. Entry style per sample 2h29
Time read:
1h25
